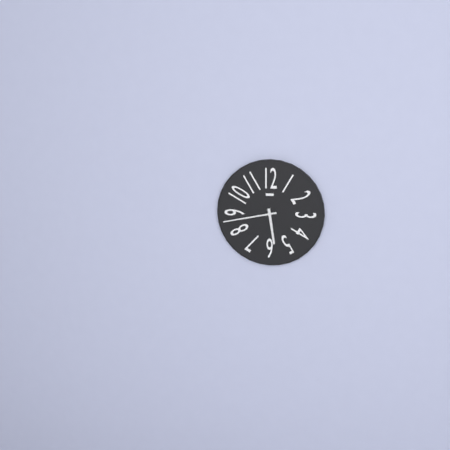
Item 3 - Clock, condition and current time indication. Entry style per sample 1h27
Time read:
5h43
